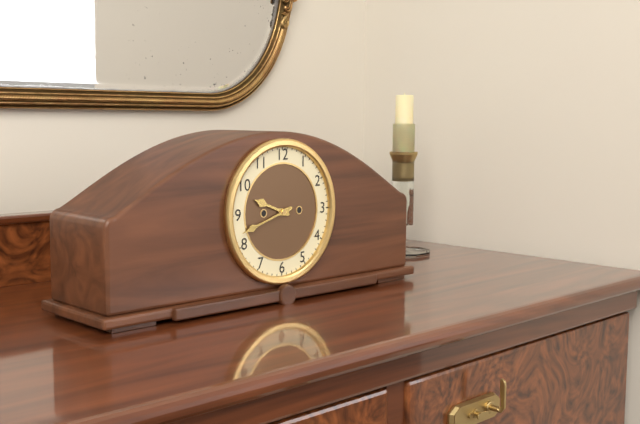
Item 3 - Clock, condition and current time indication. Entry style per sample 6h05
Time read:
9h42
